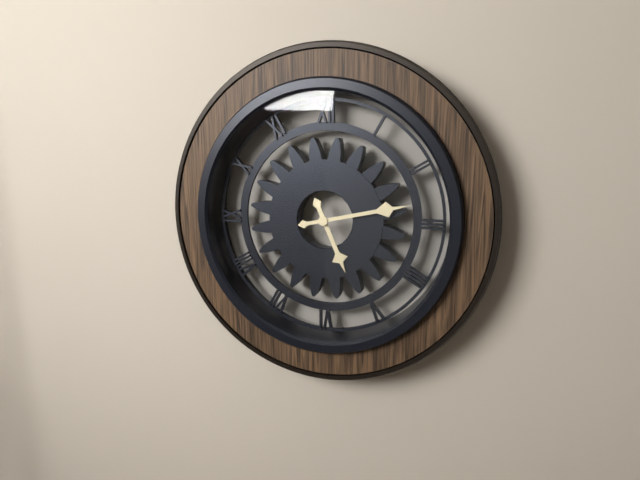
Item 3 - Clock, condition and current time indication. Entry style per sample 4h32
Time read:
5h13
